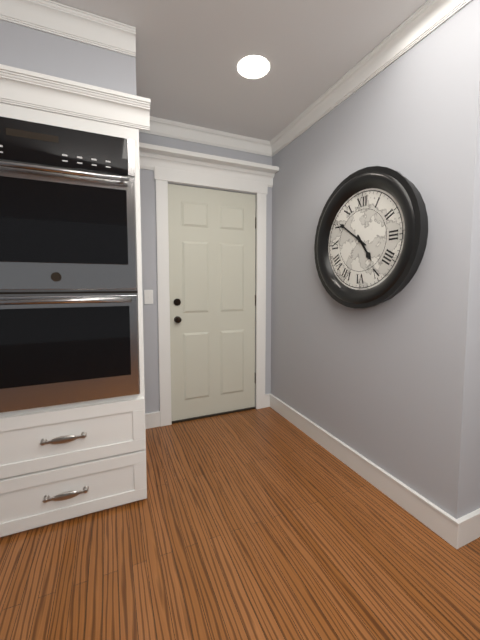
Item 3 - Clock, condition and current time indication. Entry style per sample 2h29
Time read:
4h51
